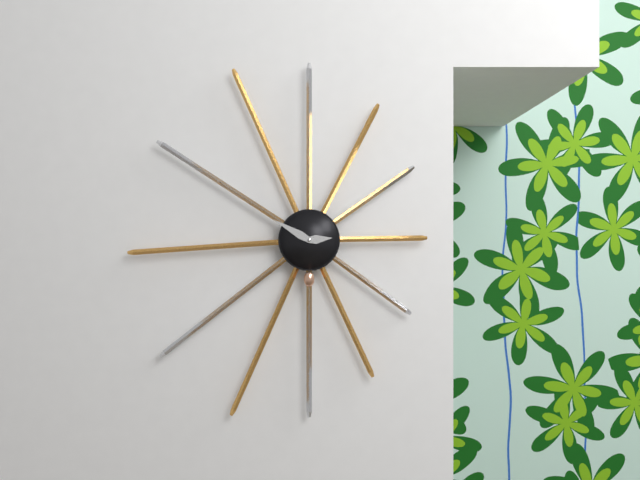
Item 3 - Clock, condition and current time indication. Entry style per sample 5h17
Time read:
2h50
